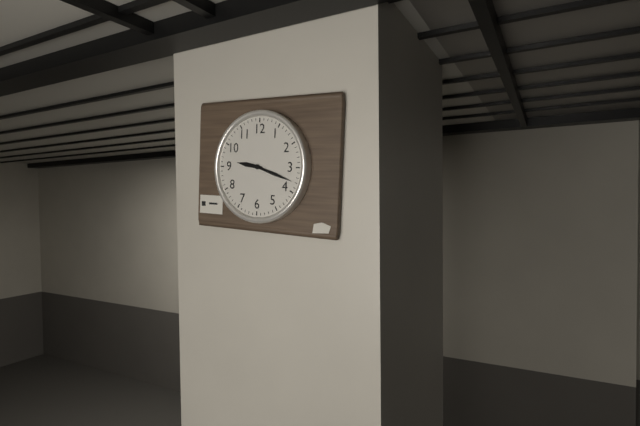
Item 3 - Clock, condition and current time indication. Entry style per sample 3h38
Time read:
9h18
